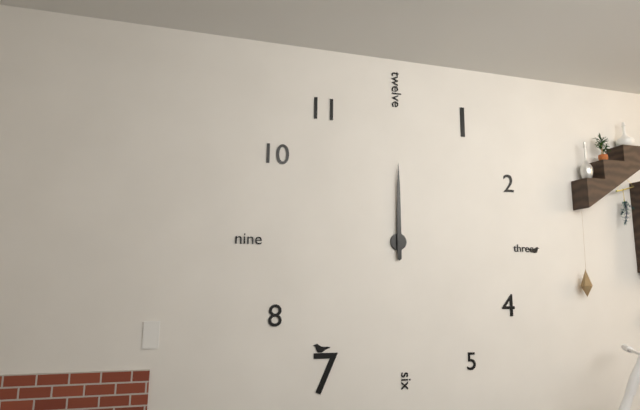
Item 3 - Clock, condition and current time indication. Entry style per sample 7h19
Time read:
12h00
